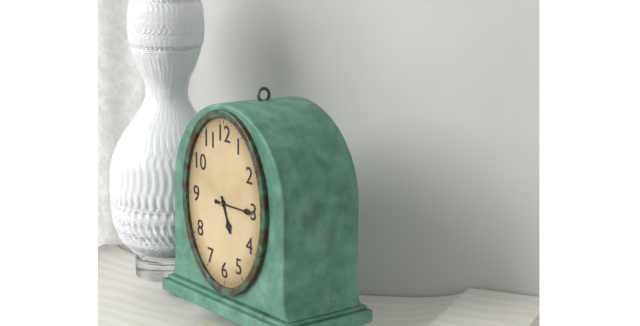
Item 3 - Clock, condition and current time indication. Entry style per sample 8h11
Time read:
5h15
